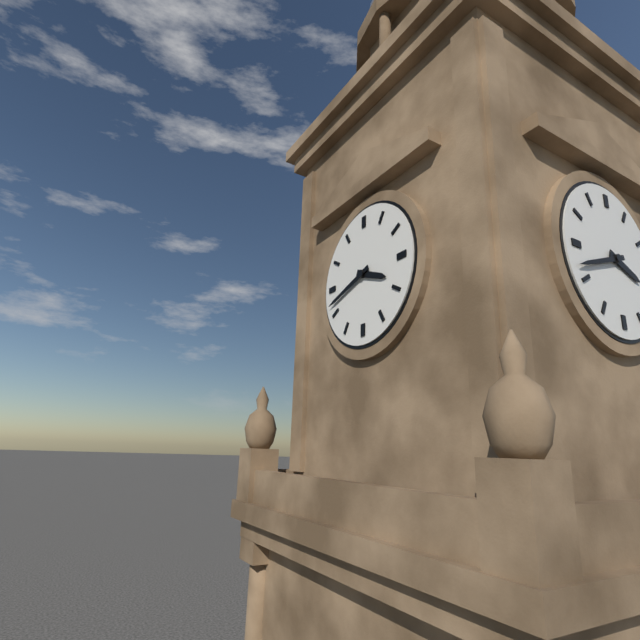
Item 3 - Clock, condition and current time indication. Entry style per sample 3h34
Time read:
3h42
